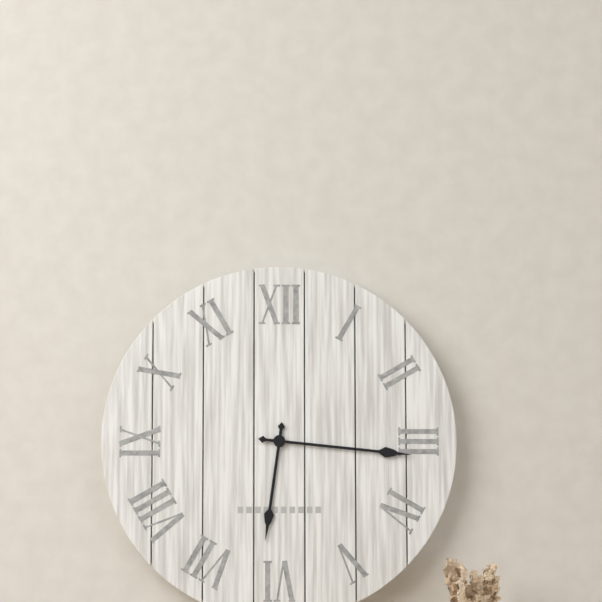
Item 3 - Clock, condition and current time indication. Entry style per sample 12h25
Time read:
6h16
